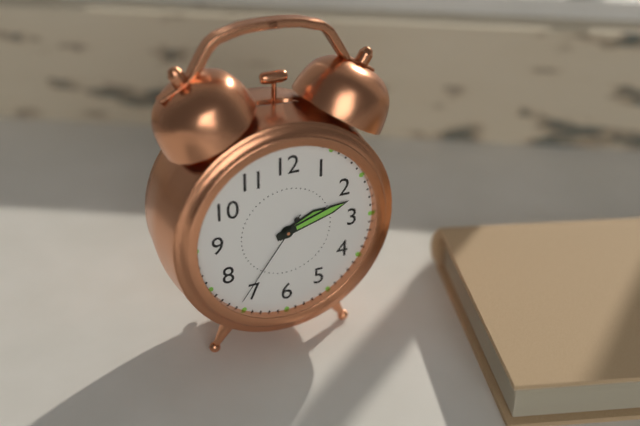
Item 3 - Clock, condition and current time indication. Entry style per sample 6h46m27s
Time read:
2h12m36s
